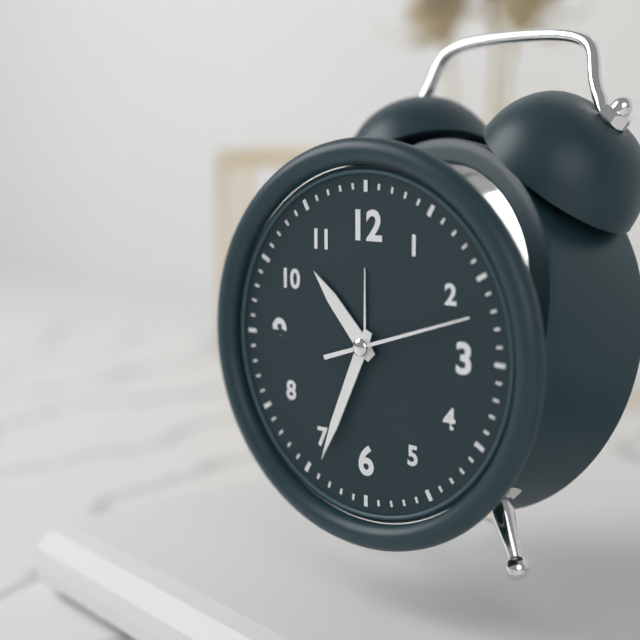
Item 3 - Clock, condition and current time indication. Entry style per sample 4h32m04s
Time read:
10h34m12s
